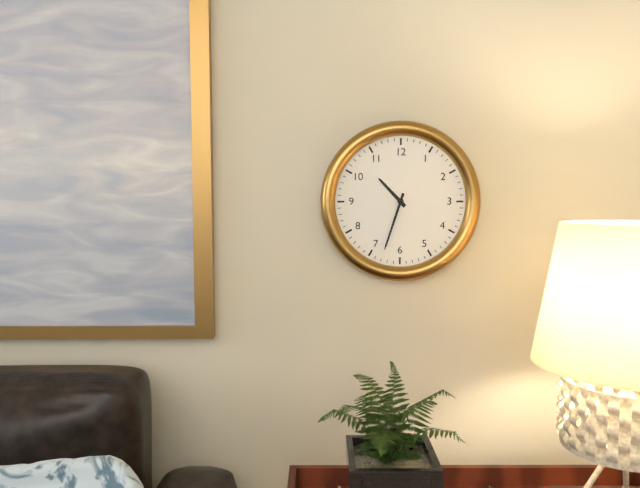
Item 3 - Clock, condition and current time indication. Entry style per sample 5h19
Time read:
10h33
